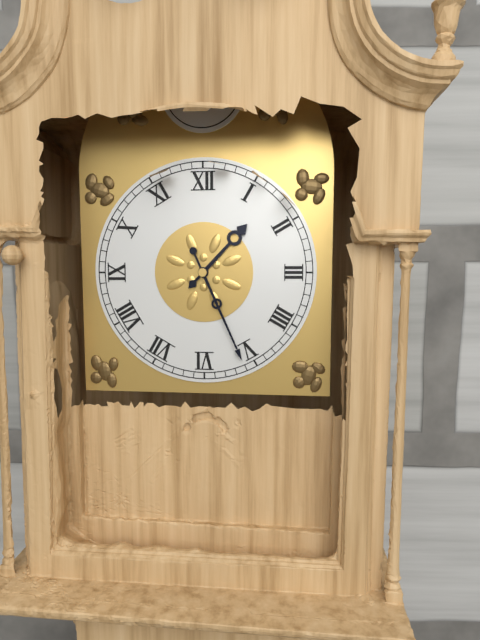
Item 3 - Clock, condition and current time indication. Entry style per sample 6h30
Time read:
1h26
